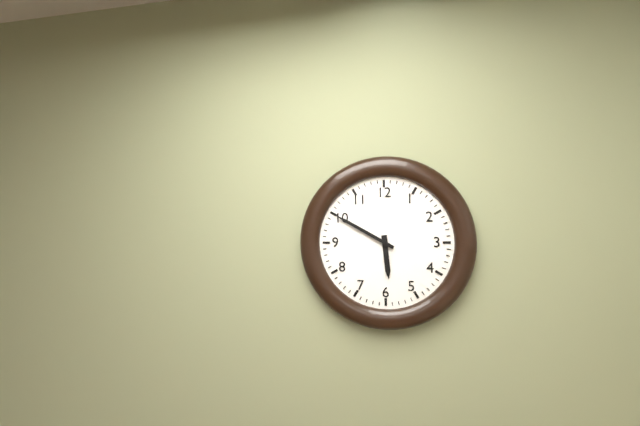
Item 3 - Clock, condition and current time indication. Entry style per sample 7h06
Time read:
5h50
